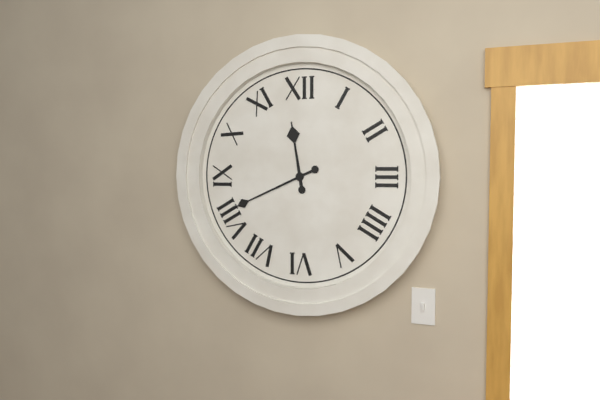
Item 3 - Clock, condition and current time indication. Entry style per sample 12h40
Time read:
11h41
